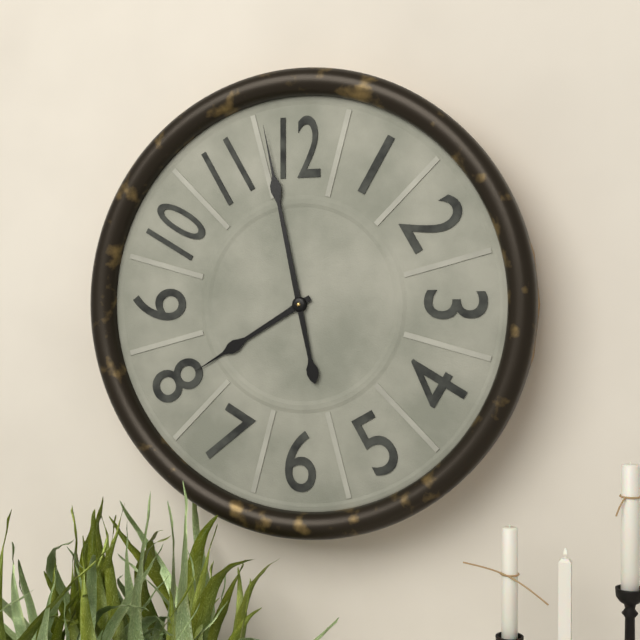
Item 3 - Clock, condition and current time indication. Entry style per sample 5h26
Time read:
7h58
